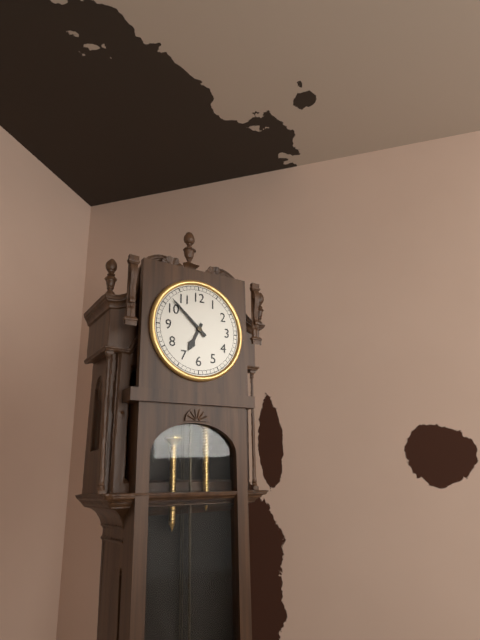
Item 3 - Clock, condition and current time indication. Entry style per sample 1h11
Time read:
6h52
